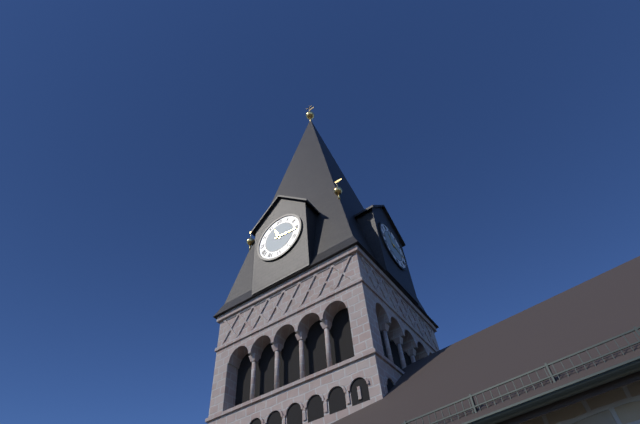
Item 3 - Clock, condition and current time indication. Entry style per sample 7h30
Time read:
11h16
